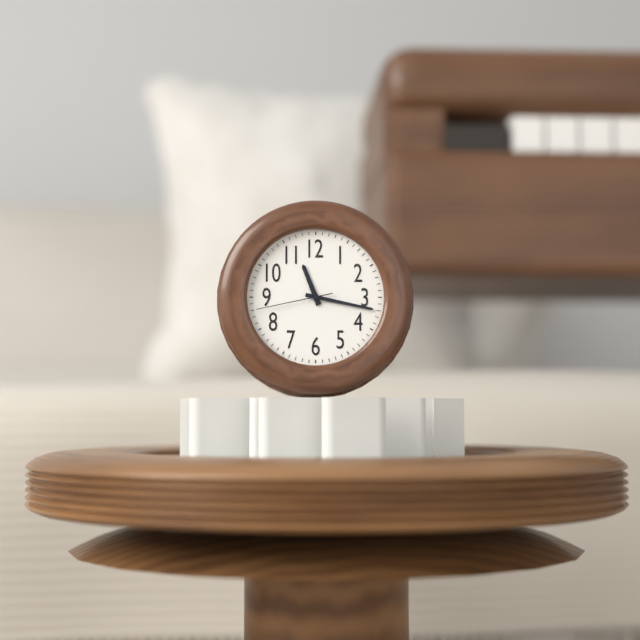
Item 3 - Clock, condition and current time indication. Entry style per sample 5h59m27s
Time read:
11h17m43s
